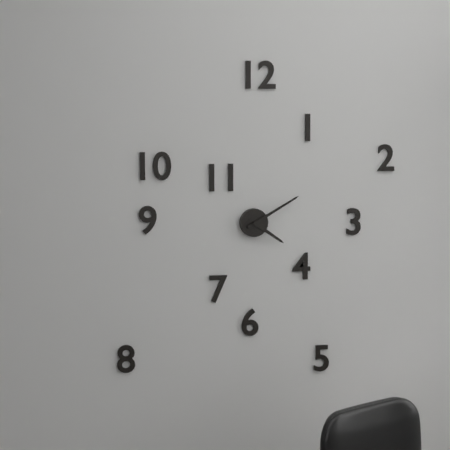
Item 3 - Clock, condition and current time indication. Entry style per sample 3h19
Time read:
4h10
